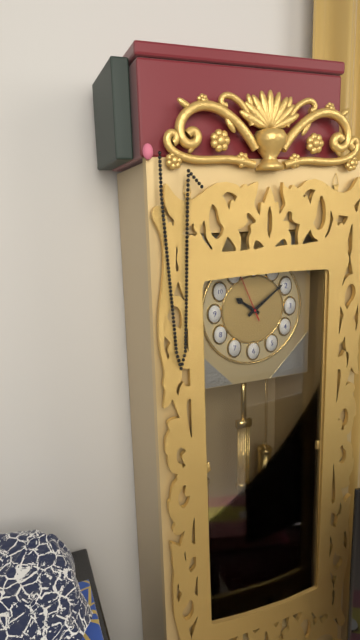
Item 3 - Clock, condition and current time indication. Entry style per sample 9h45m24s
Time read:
10h09m56s
